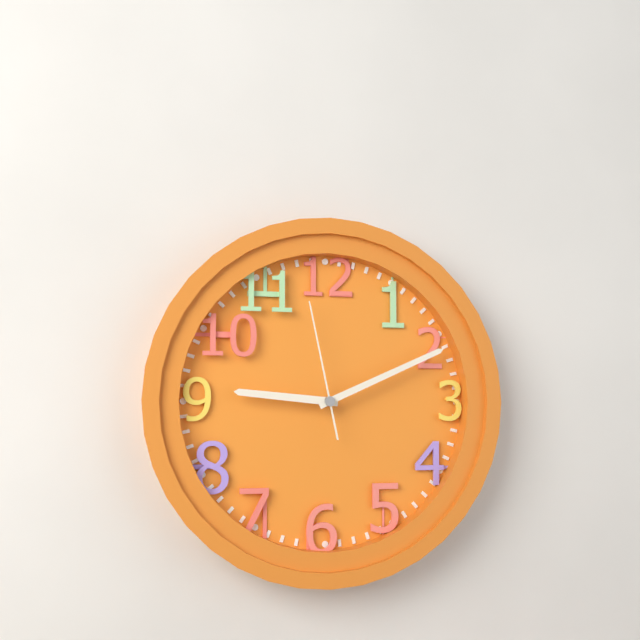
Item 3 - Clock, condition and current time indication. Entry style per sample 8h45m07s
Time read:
9h11m58s
